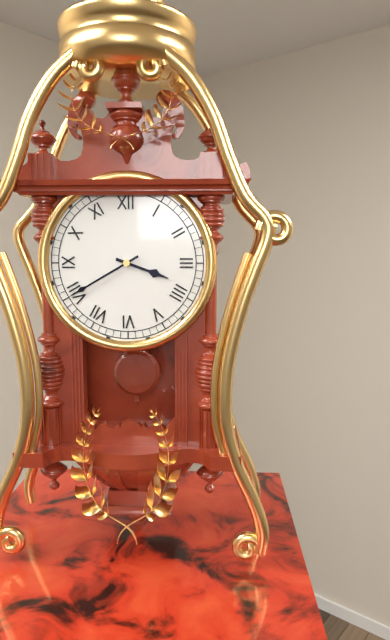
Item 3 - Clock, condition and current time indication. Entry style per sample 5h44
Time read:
3h40
